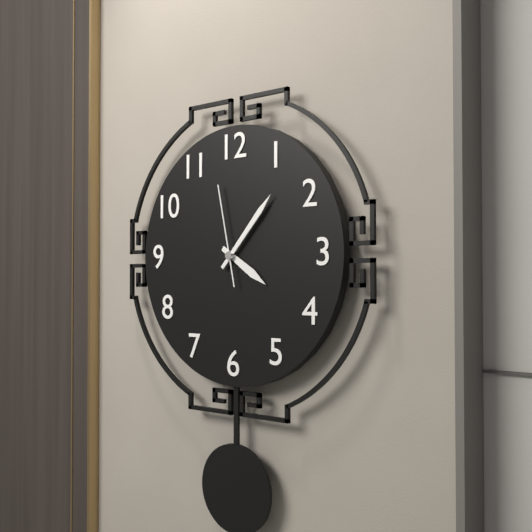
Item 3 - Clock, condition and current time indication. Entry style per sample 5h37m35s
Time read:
4h07m58s
